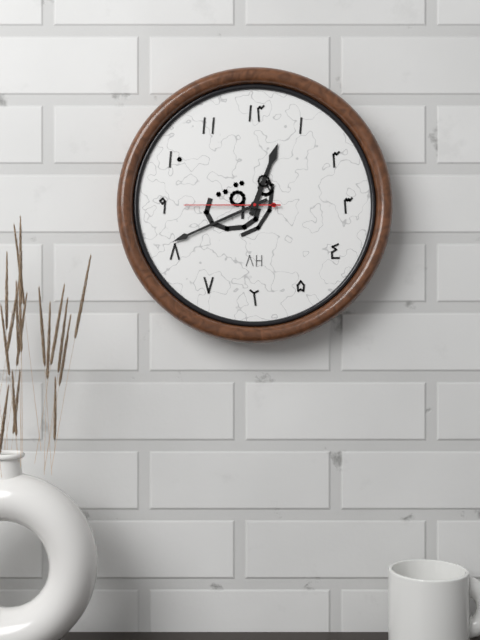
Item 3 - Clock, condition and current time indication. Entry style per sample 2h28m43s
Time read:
12h41m45s
